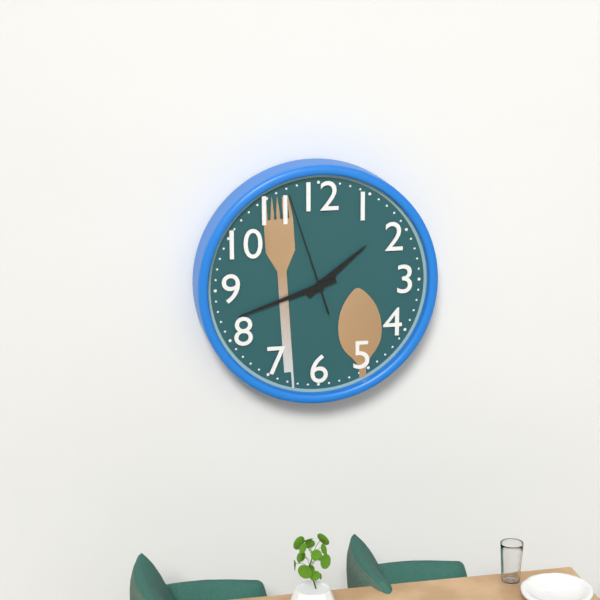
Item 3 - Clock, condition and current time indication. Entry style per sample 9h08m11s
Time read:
1h42m57s
